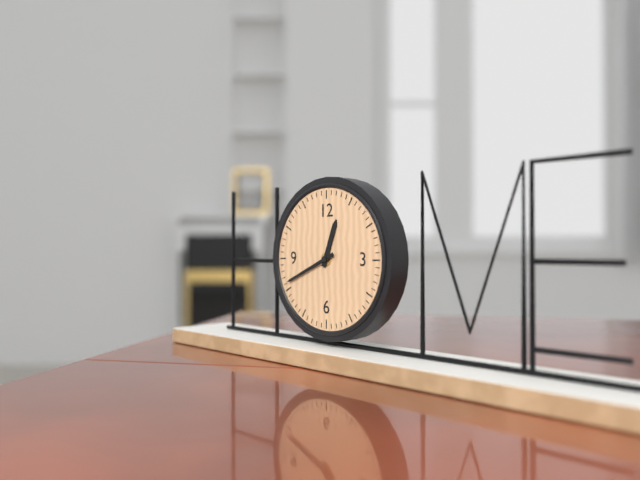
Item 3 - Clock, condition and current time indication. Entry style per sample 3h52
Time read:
12h41
